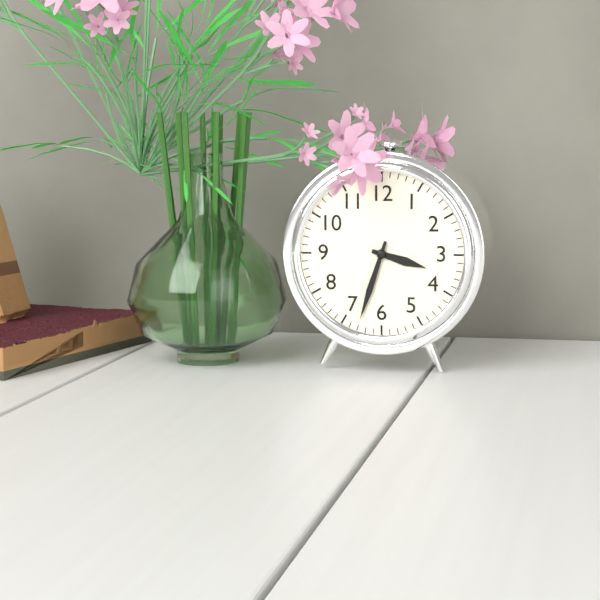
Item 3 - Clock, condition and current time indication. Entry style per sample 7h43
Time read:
3h33
